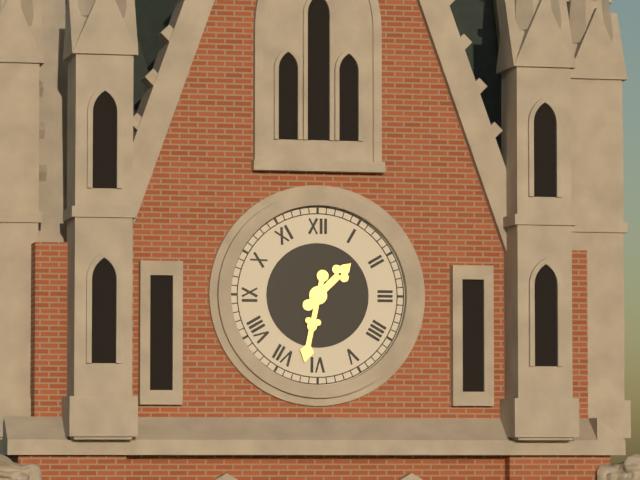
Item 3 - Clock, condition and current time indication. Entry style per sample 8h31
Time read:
1h32
